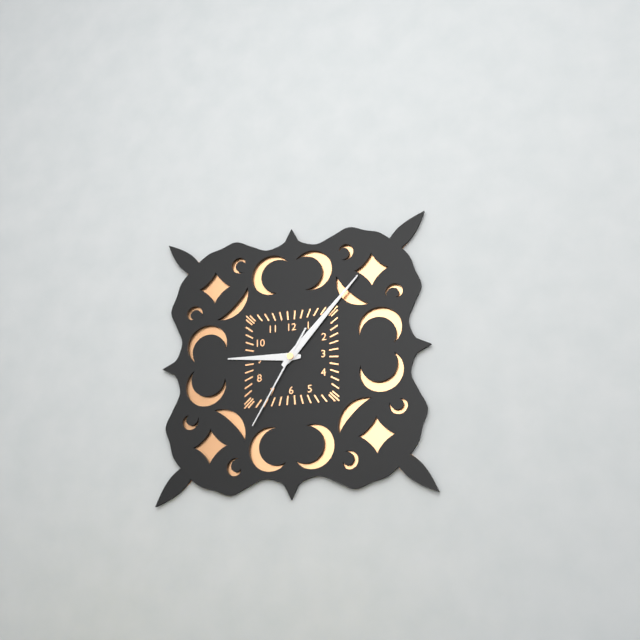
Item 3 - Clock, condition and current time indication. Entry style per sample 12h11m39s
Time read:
9h07m35s
